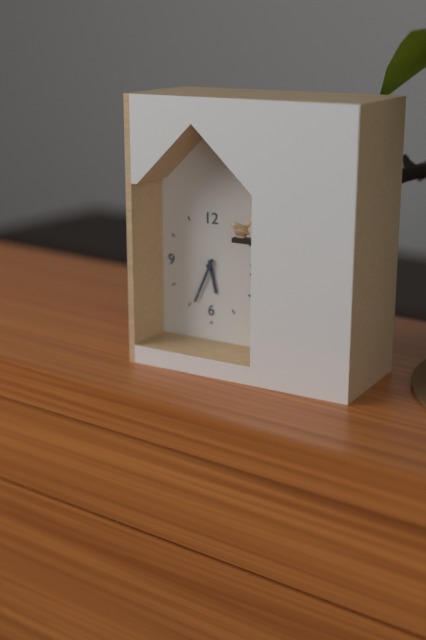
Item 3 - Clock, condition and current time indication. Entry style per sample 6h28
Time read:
5h34
